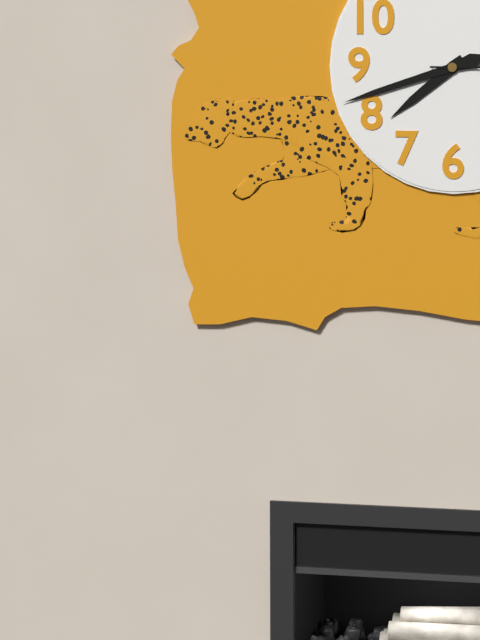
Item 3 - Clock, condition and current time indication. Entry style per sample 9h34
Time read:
7h42
